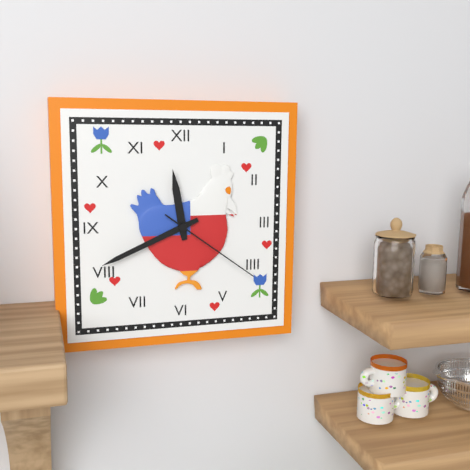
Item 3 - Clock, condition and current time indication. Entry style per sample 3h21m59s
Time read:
11h41m21s
